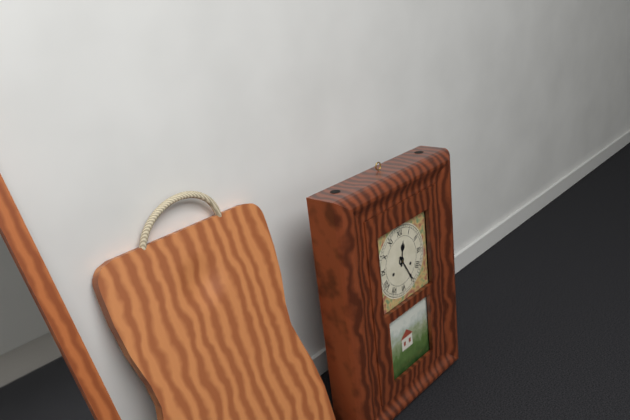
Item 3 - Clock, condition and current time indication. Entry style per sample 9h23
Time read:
12h25
